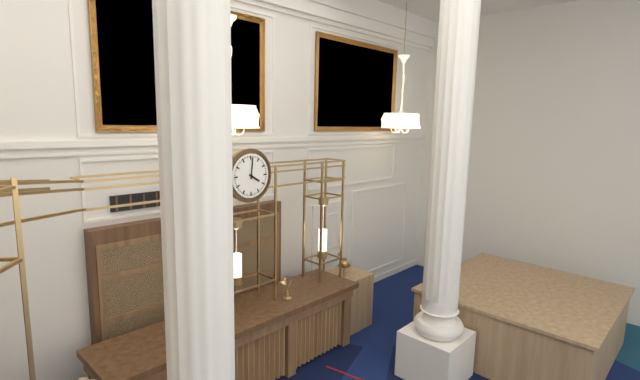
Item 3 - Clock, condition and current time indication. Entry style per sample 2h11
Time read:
4h01
